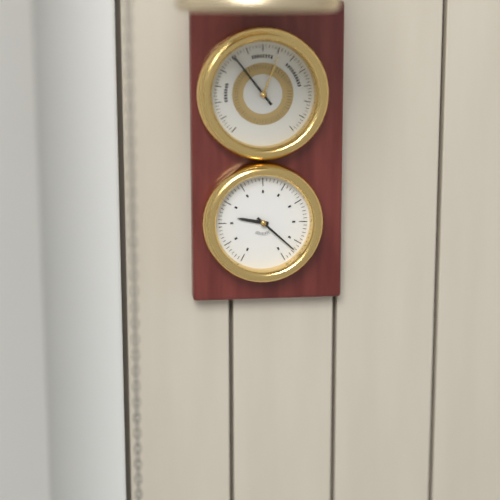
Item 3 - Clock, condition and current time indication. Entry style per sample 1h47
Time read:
9h22
